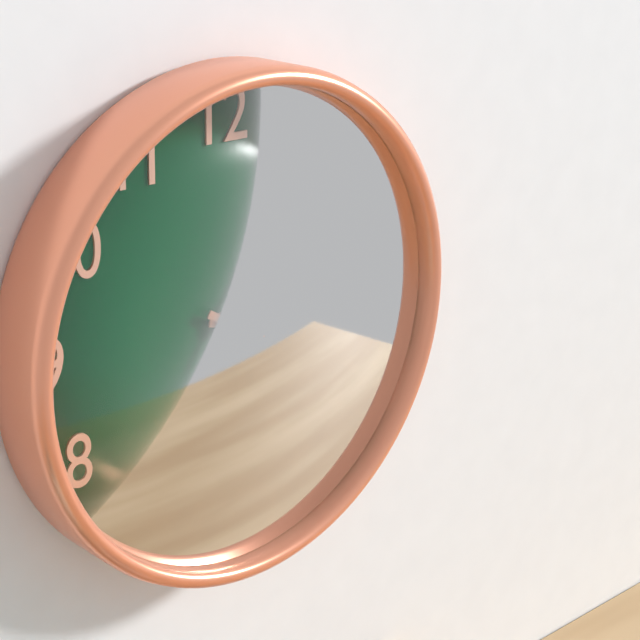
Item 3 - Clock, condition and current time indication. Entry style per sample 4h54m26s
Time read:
3h20m06s
